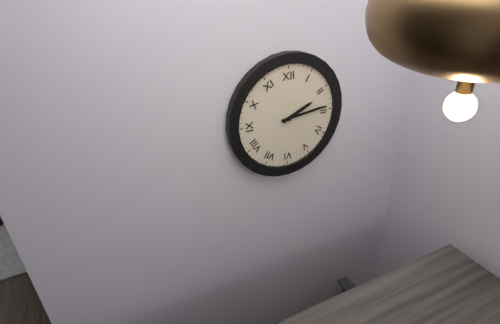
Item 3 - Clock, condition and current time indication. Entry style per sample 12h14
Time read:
2h14
